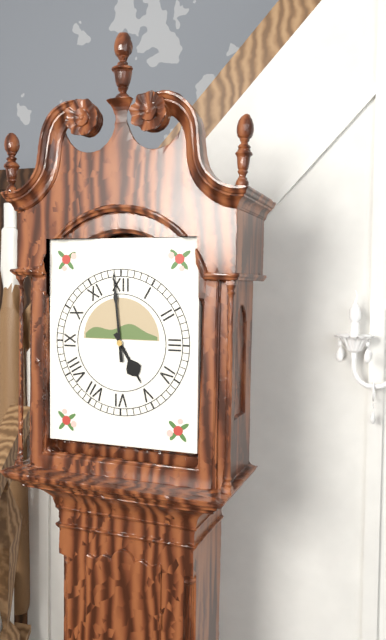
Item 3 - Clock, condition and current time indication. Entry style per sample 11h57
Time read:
4h59
